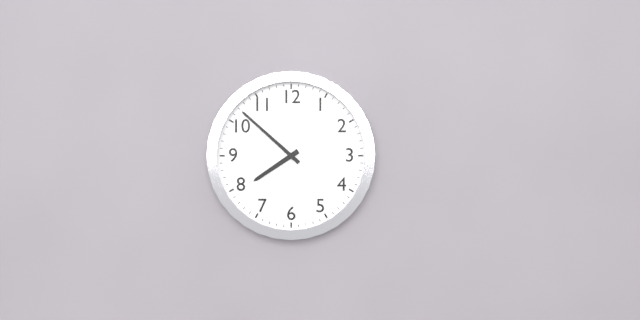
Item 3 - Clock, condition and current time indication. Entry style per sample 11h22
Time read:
7h52
